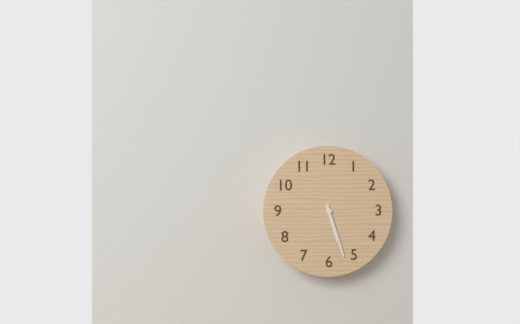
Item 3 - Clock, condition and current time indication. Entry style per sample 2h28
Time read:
5h27
